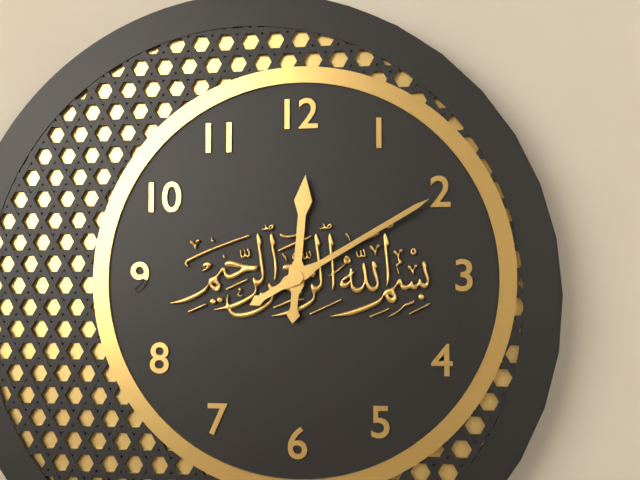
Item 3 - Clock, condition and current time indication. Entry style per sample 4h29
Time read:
12h10
